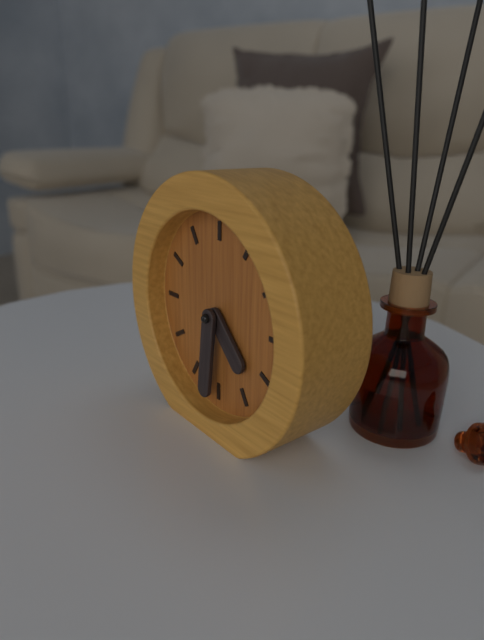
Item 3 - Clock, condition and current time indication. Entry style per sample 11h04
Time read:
4h31
